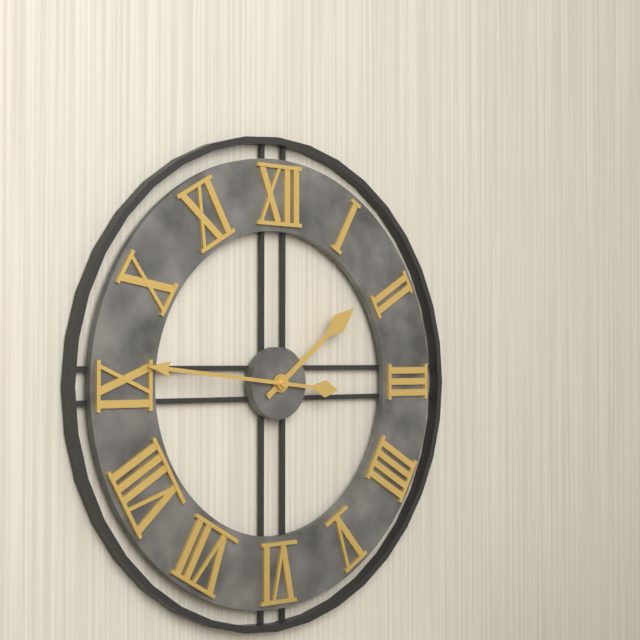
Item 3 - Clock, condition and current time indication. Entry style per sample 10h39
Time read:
1h46
